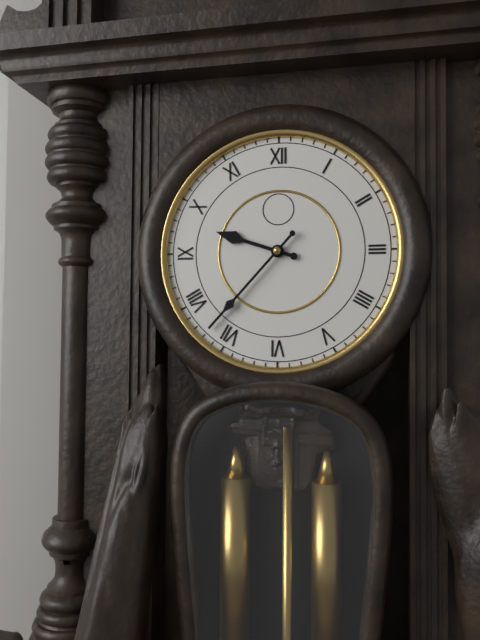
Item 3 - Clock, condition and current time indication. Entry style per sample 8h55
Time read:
9h37
